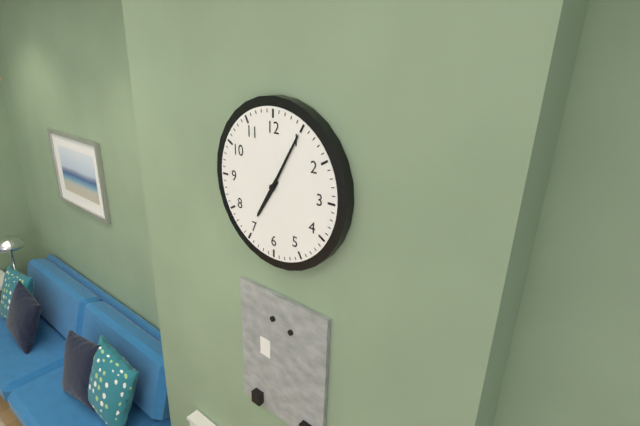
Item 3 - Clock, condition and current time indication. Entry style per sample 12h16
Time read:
7h05
